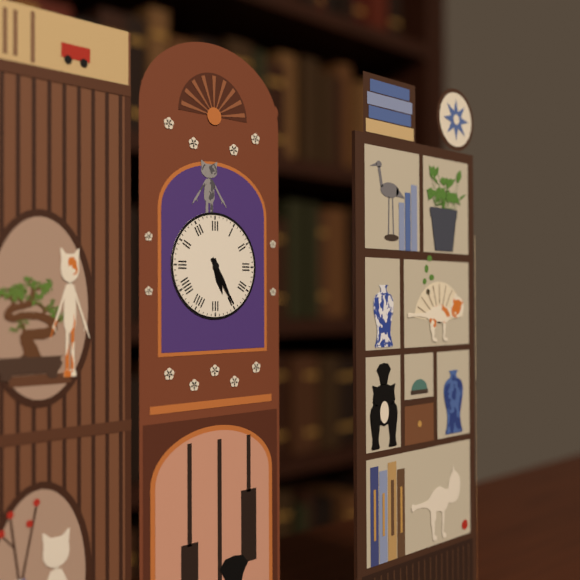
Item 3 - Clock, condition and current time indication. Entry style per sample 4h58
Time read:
5h25
